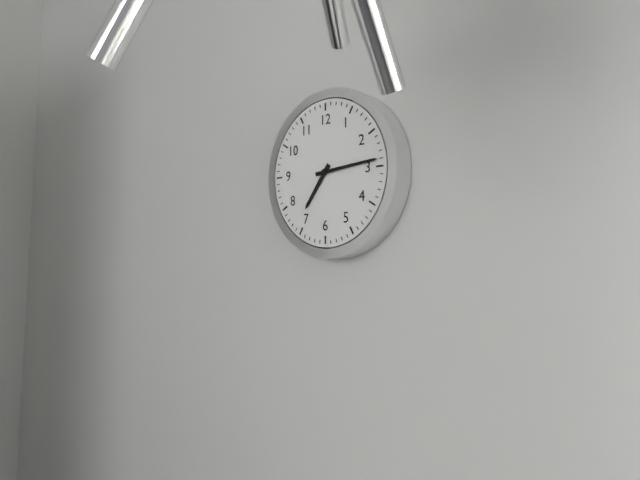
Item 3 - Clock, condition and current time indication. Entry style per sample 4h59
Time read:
7h14
